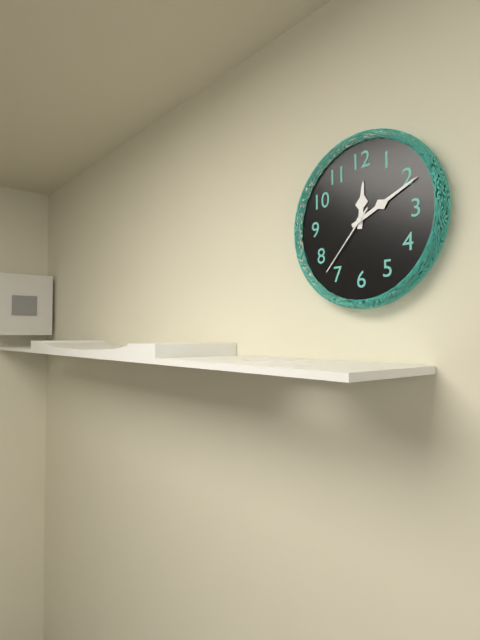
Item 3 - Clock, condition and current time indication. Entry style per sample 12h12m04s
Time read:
12h11m37s
